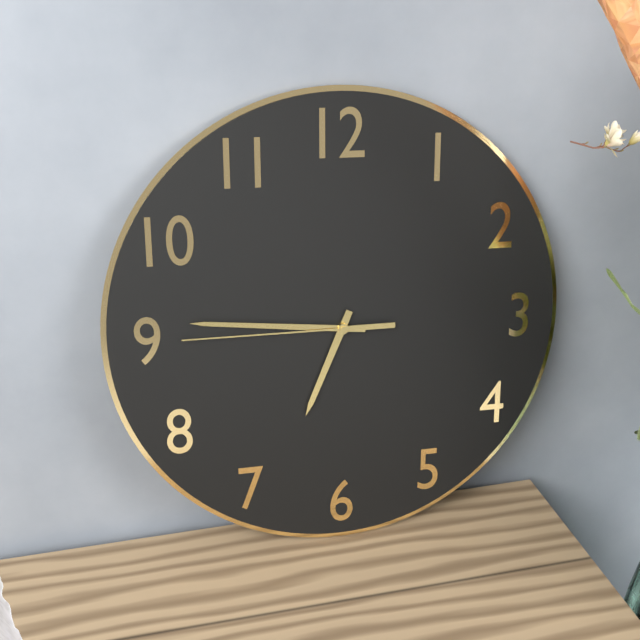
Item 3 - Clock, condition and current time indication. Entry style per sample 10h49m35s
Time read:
6h46m45s
